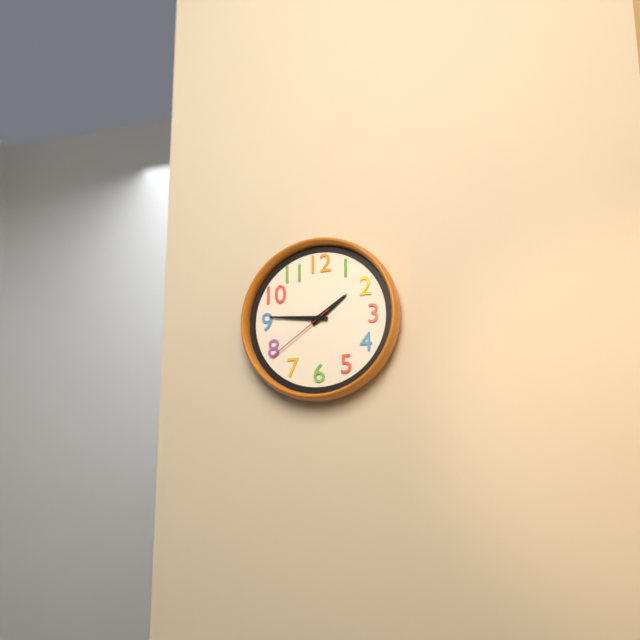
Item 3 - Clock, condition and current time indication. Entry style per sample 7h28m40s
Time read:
1h46m39s
